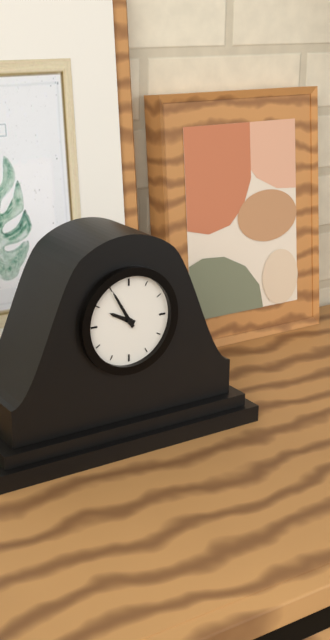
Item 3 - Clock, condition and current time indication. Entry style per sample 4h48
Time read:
9h55
